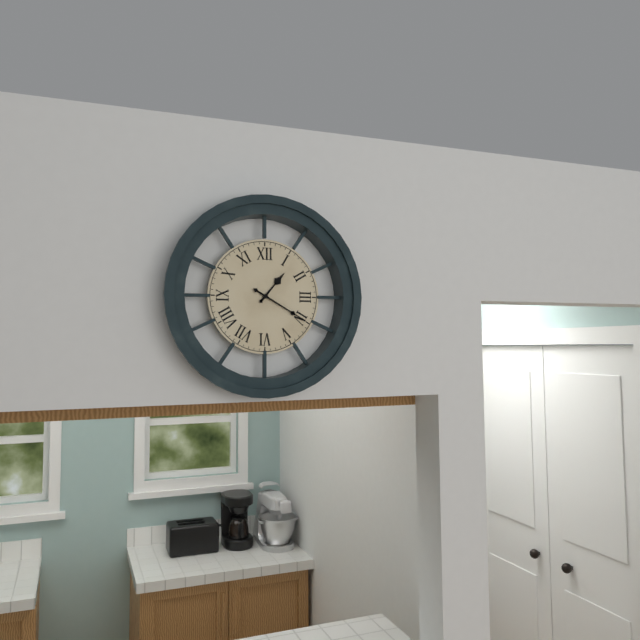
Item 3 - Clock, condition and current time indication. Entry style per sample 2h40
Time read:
1h20
